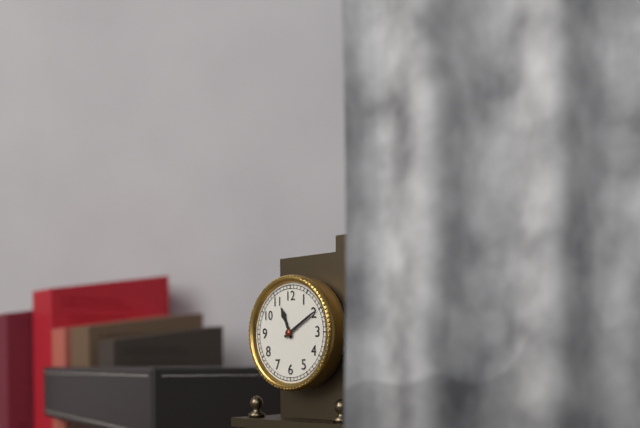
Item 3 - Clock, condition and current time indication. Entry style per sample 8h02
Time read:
11h10
